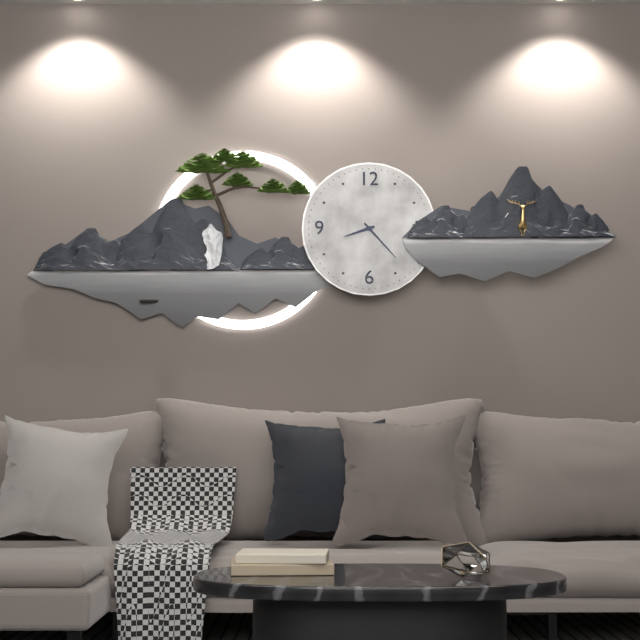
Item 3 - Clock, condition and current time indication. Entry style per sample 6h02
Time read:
8h23
